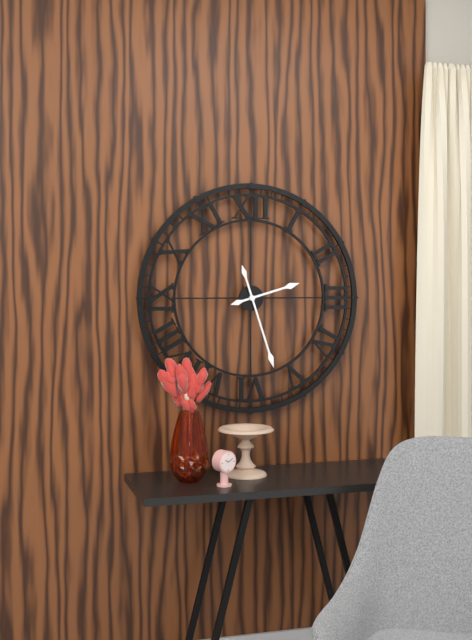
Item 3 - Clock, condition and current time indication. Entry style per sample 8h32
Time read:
2h27
